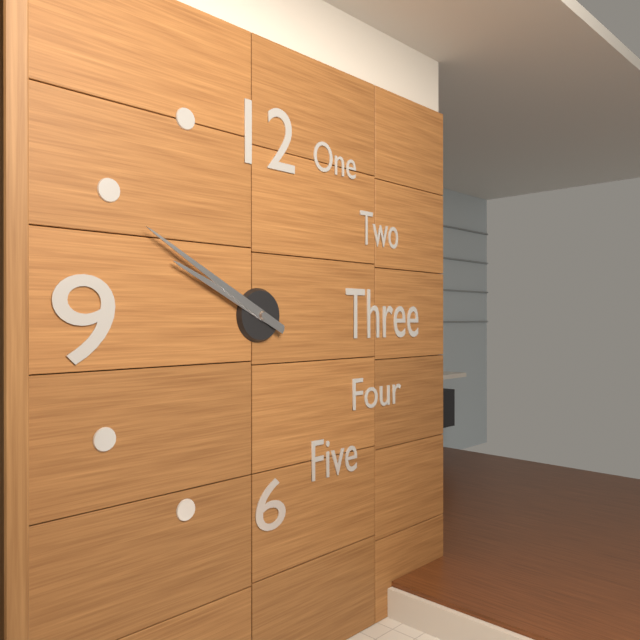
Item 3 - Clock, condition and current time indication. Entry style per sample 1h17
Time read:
9h50
